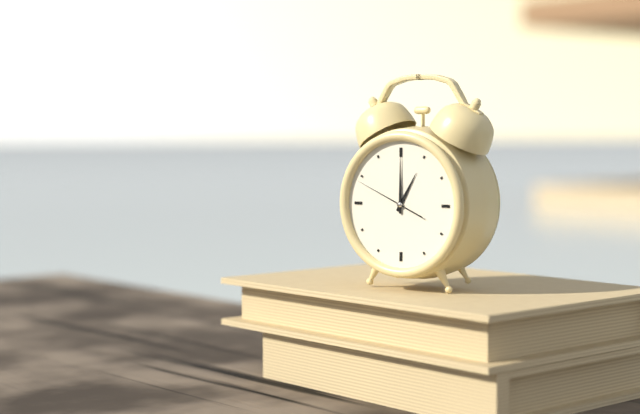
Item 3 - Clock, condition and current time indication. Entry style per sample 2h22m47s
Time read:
1h00m49s
